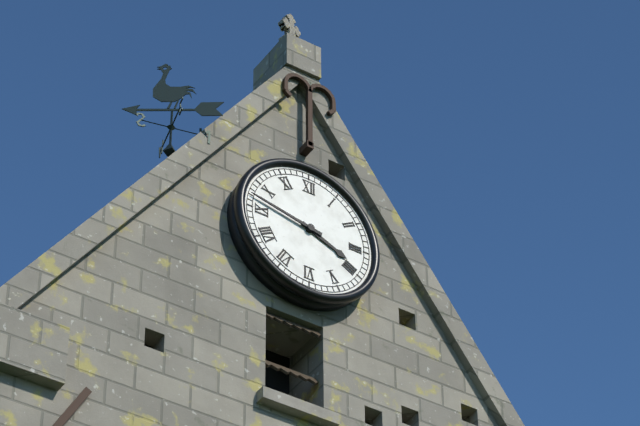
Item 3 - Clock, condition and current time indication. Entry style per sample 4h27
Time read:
3h47
